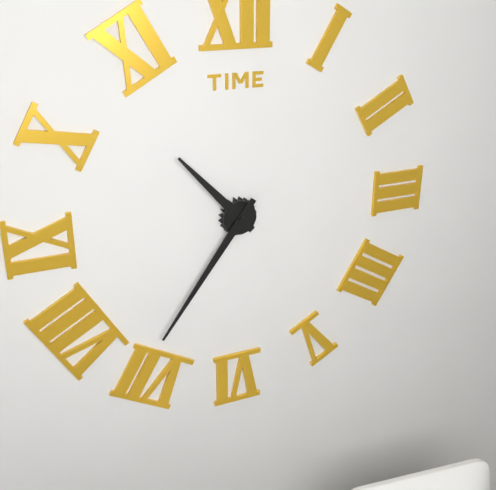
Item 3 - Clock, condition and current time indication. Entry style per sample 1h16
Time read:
10h36
